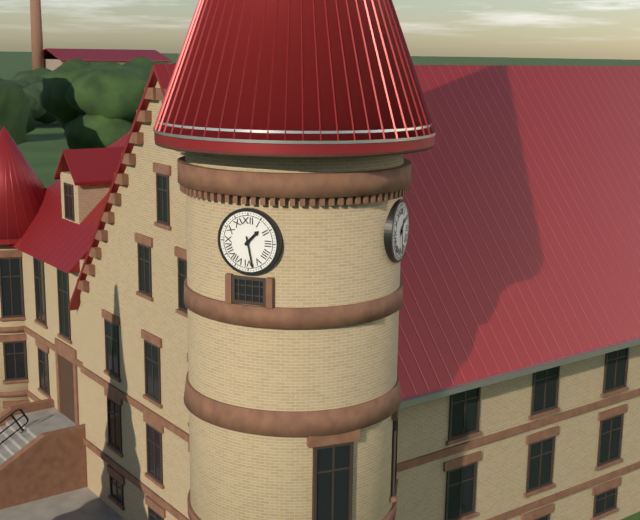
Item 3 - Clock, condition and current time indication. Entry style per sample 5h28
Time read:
1h28
